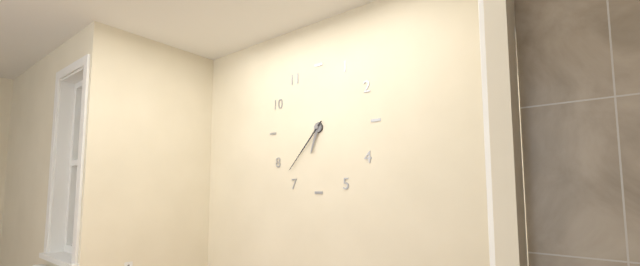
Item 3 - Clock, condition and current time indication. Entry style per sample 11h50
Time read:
6h37
